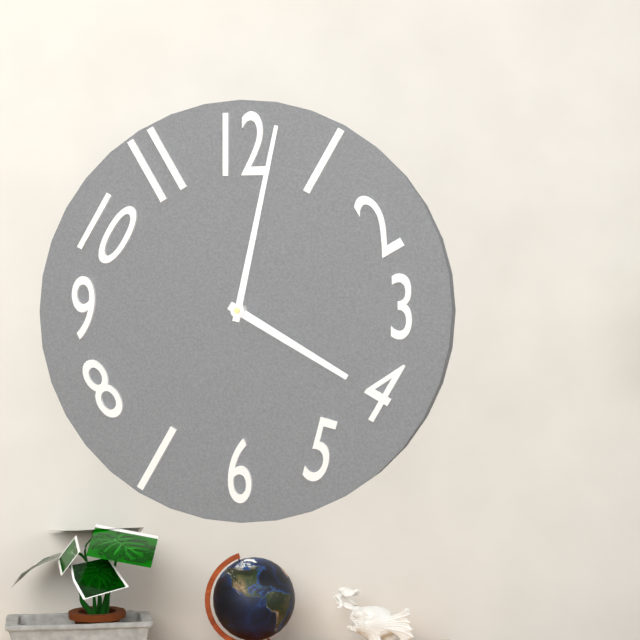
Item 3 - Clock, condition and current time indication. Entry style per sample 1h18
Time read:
4h02
